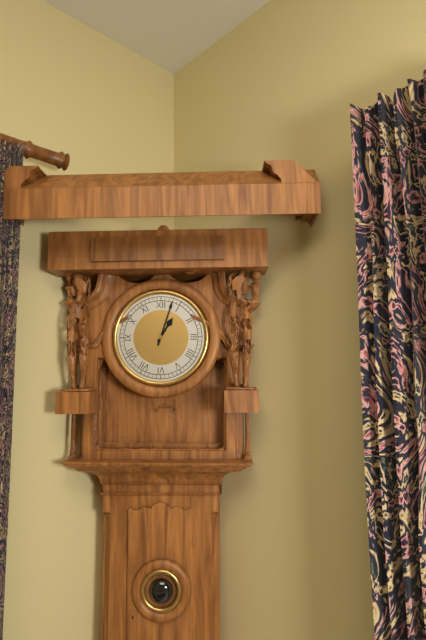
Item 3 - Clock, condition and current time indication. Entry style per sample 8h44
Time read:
1h03
